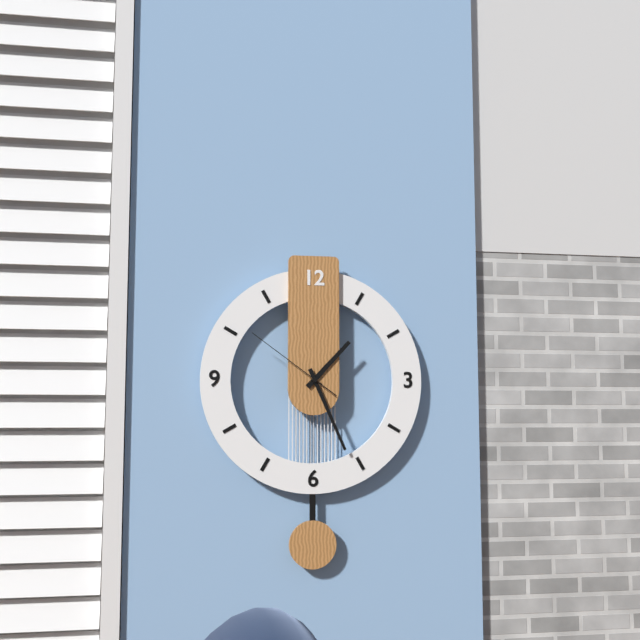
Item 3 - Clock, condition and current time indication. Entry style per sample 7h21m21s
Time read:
1h26m51s
